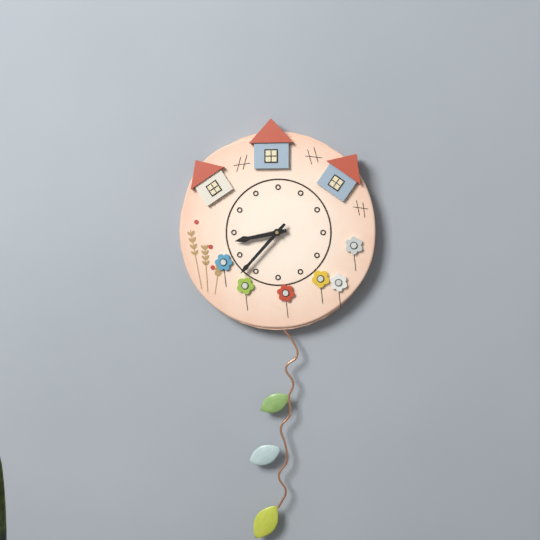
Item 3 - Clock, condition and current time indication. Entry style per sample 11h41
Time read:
8h37
